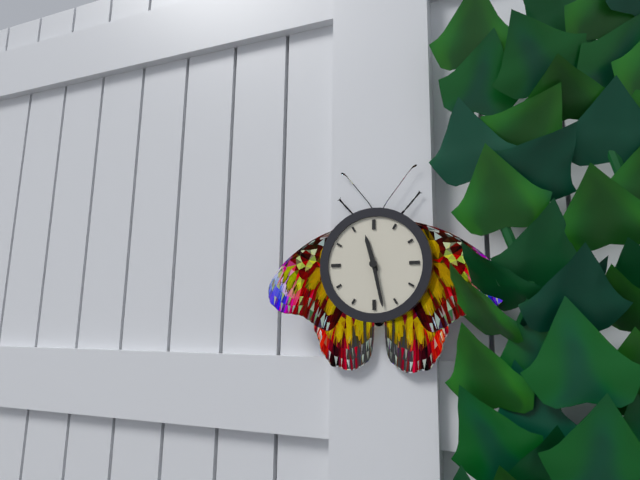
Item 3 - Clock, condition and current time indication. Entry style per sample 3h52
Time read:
11h28
